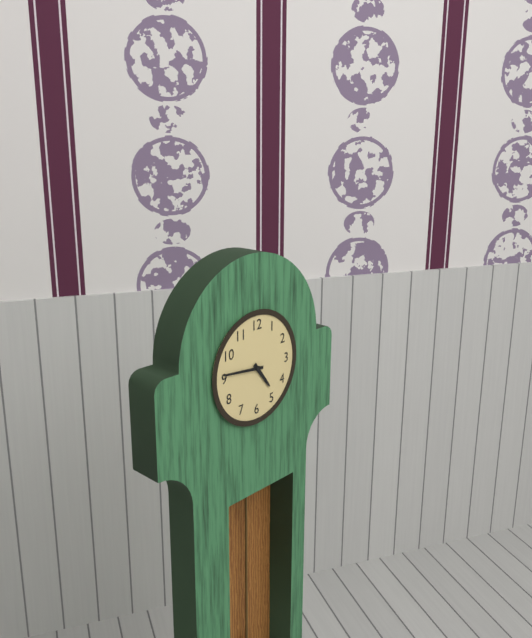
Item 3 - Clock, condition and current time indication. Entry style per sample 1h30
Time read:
4h46
